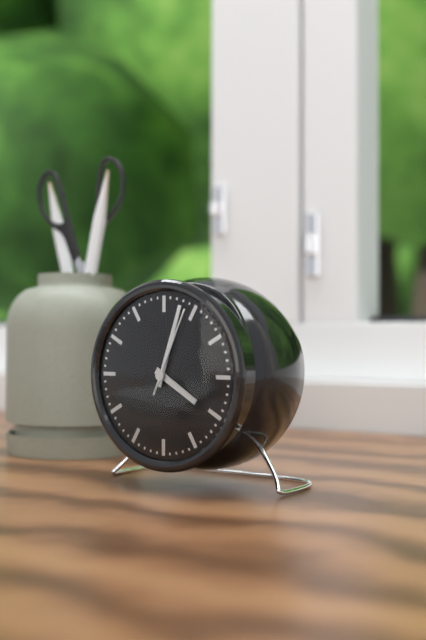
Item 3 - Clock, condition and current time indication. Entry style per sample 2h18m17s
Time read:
4h03m04s
